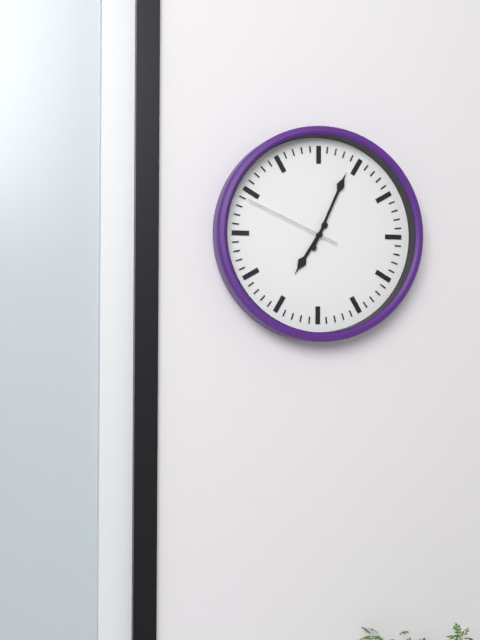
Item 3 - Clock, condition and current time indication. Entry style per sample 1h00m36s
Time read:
7h04m49s
